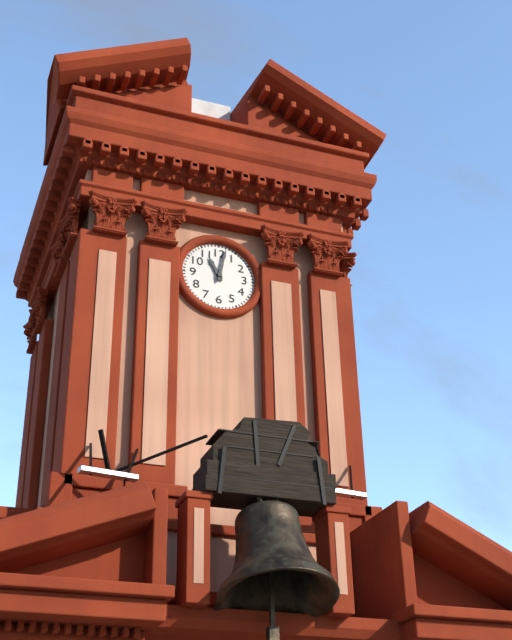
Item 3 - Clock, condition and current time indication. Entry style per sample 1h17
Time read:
11h02
